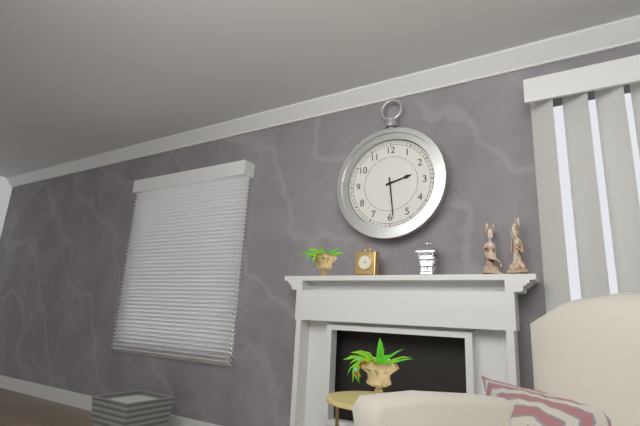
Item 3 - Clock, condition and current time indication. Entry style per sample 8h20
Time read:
2h29
